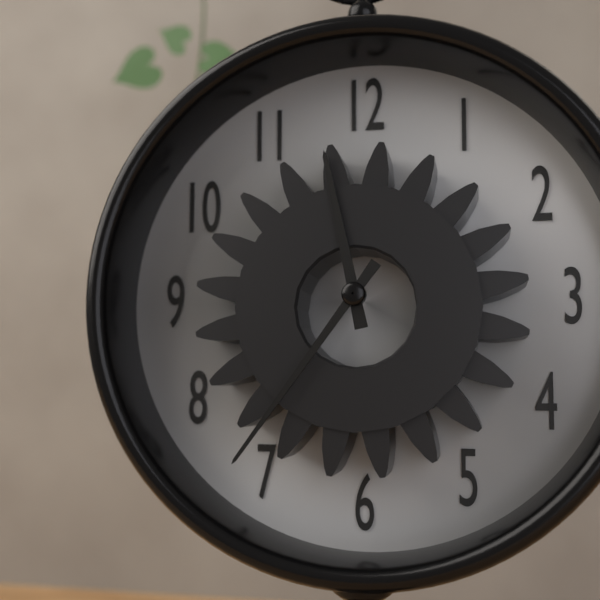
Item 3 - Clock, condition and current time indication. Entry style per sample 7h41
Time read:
11h36
